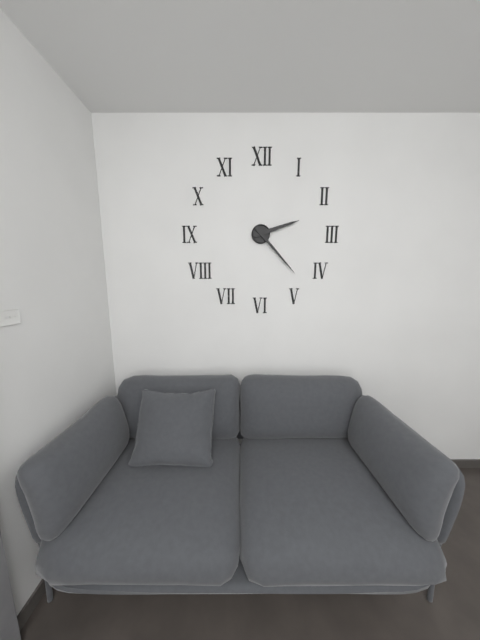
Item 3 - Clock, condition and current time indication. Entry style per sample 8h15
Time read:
2h23
